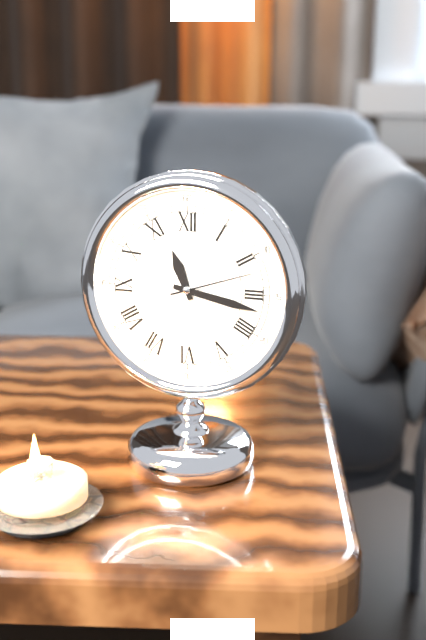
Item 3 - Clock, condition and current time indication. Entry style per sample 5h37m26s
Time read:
11h17m12s
